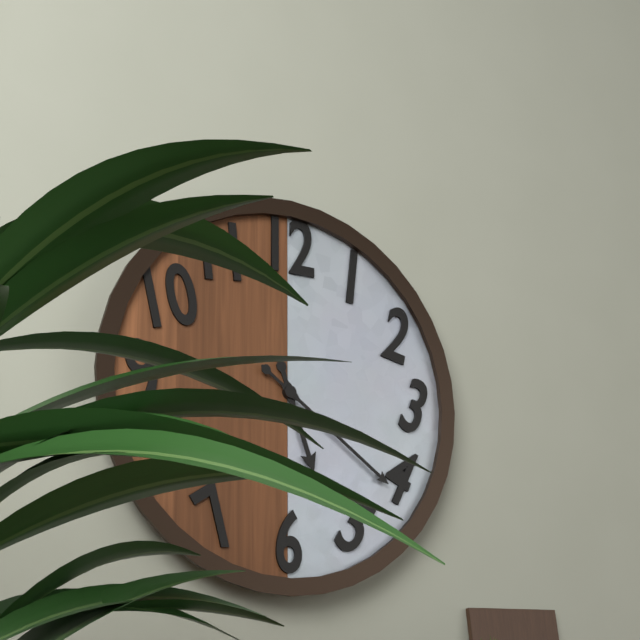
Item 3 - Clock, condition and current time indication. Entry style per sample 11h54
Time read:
5h21
